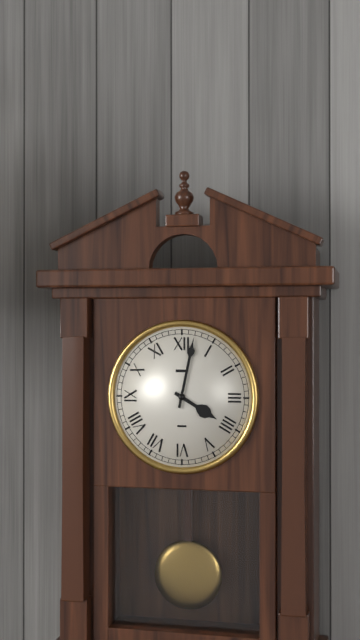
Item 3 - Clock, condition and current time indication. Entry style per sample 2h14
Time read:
4h02
